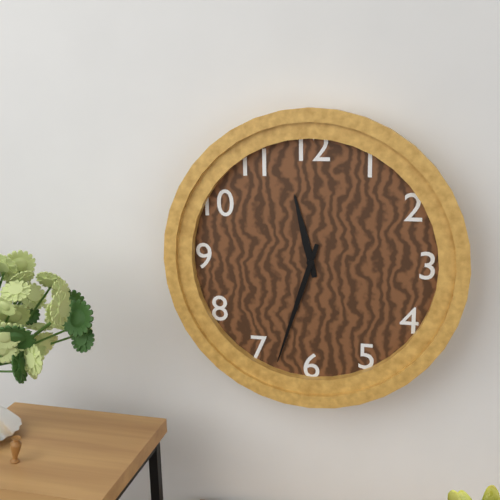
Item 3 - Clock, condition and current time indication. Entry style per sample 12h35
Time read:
11h33
